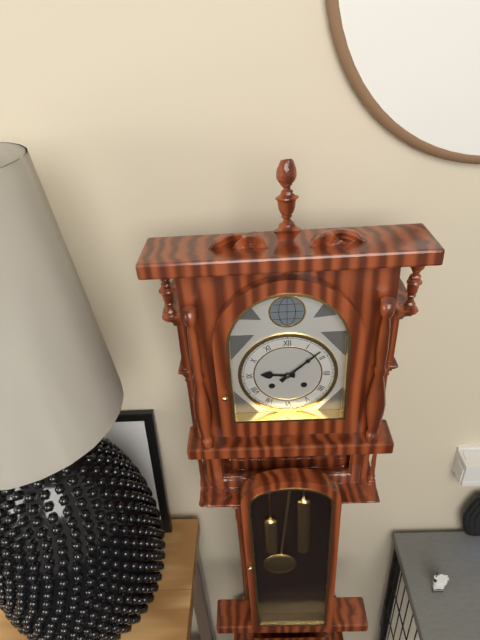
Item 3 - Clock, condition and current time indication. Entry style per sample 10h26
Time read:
9h08
